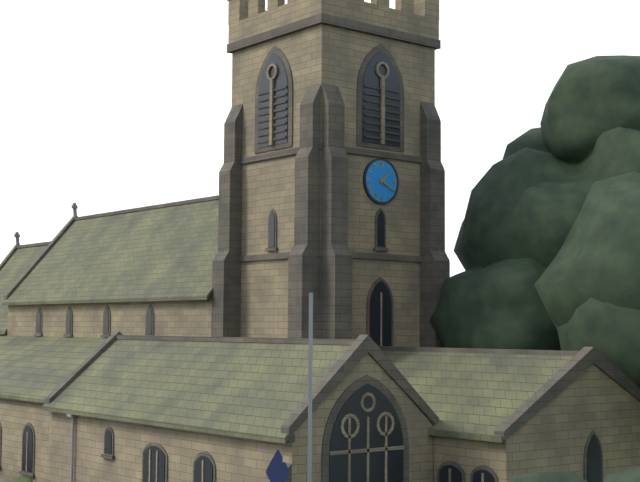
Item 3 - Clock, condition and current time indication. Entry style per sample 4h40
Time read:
1h20
